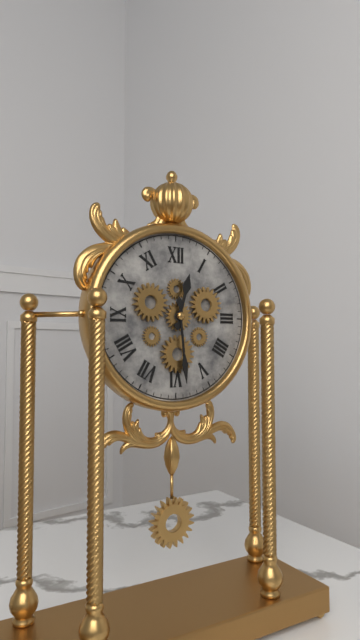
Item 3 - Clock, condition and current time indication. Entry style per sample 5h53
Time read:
12h29
